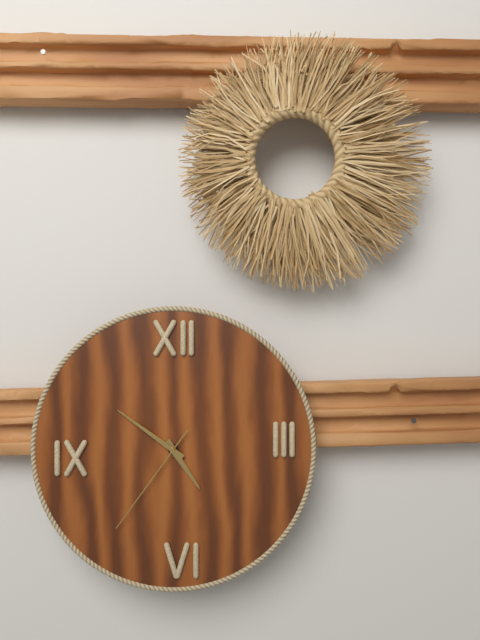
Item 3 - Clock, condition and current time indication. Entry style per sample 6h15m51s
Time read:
4h51m36s
